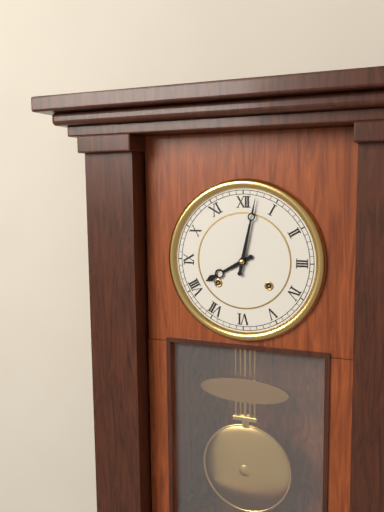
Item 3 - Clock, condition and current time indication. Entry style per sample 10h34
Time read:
8h02
